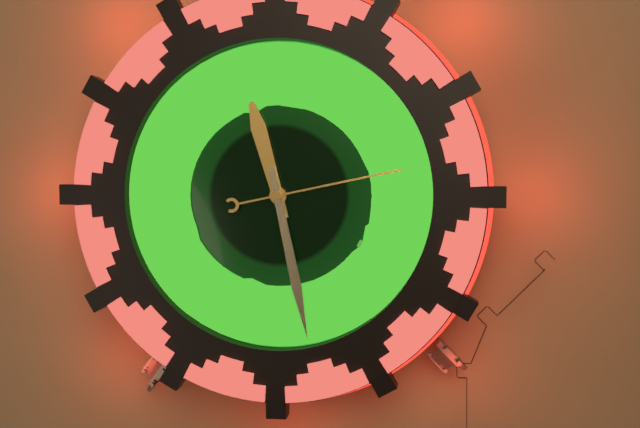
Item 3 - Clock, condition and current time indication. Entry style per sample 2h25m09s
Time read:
11h28m13s
